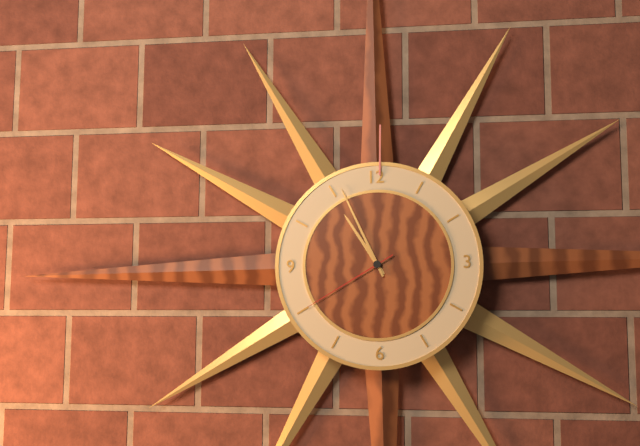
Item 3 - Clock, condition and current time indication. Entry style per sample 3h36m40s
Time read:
10h56m40s
